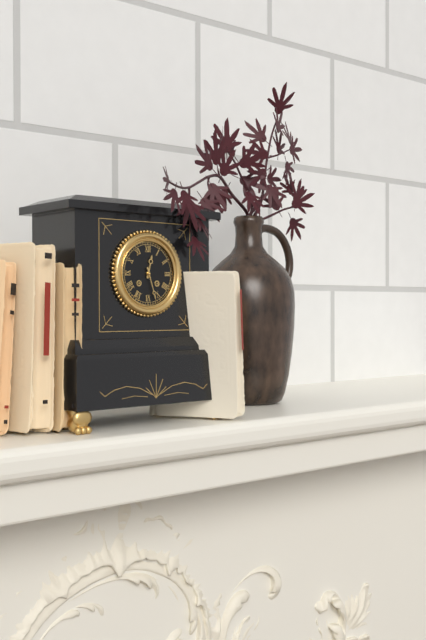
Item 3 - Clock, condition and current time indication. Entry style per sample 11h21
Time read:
12h27
